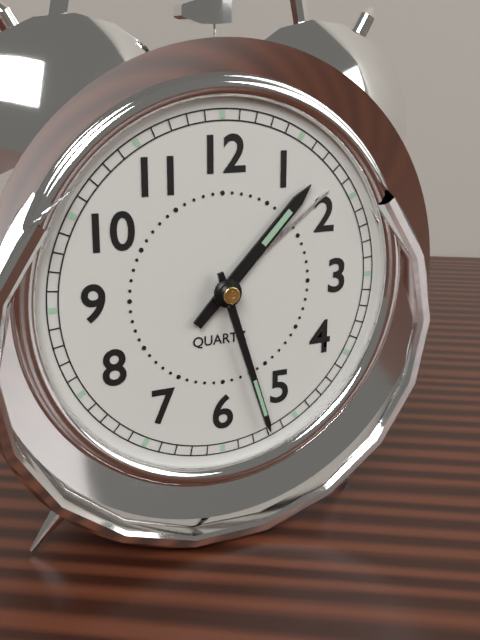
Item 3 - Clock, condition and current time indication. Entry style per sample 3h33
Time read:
1h27
